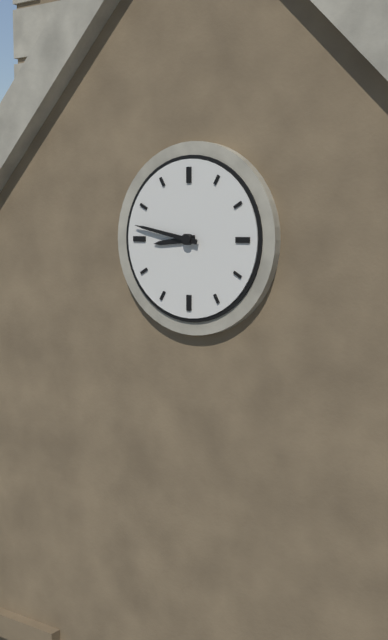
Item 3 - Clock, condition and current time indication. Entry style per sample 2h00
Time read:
8h47
